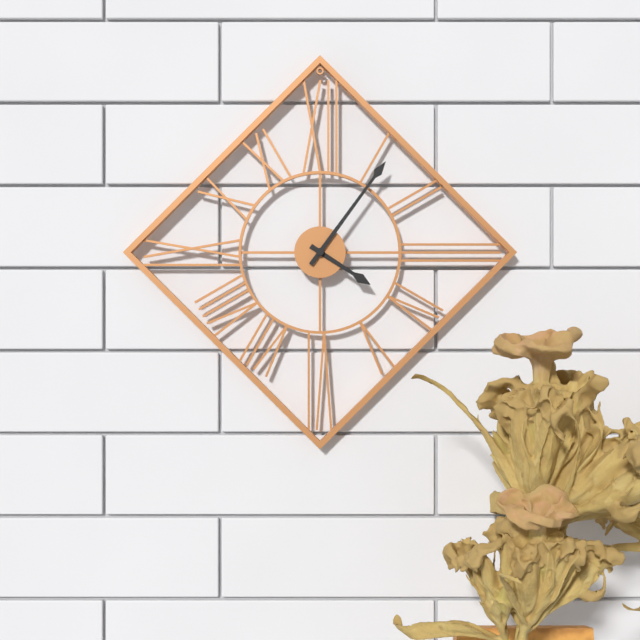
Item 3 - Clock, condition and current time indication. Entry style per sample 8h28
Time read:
4h06
